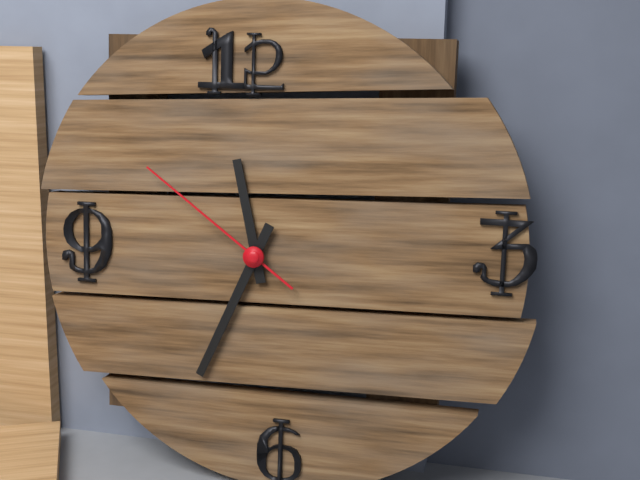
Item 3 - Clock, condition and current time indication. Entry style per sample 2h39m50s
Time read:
11h34m51s
